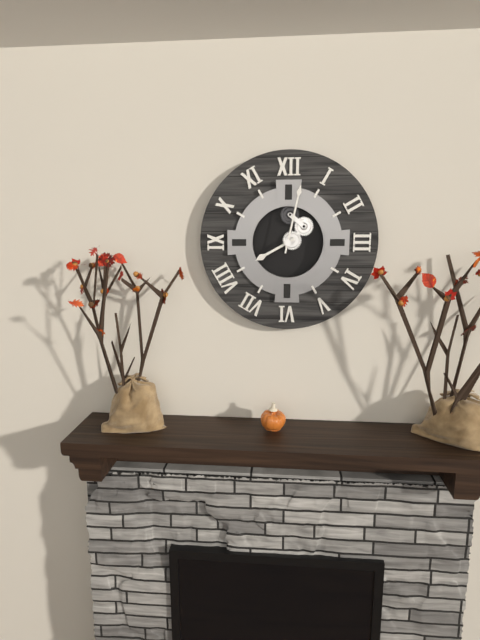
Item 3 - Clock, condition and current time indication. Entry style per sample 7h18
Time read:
8h02
